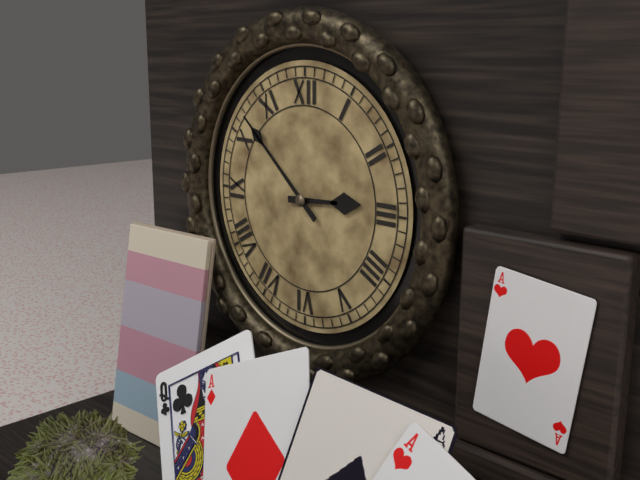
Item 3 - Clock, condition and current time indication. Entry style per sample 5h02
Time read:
2h52
